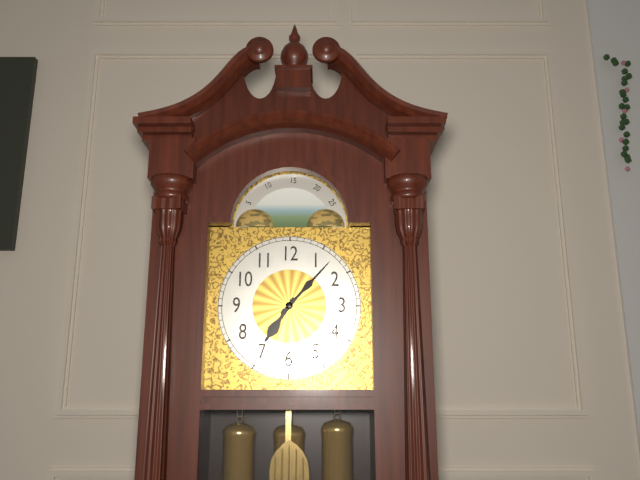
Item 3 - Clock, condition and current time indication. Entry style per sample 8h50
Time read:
7h07
